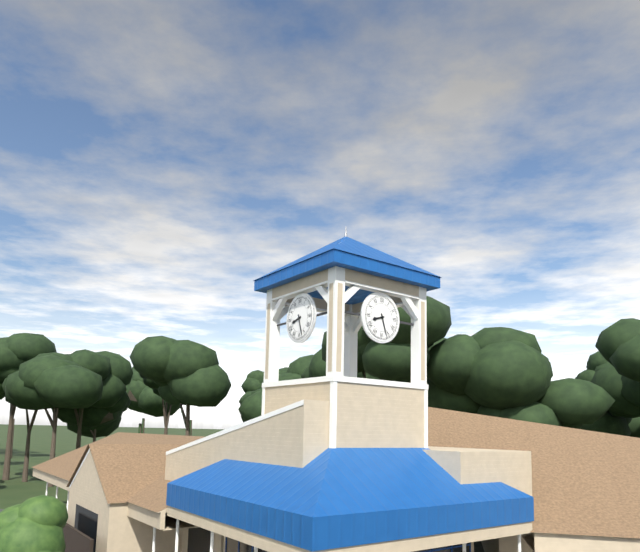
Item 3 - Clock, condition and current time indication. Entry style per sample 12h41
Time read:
8h27
